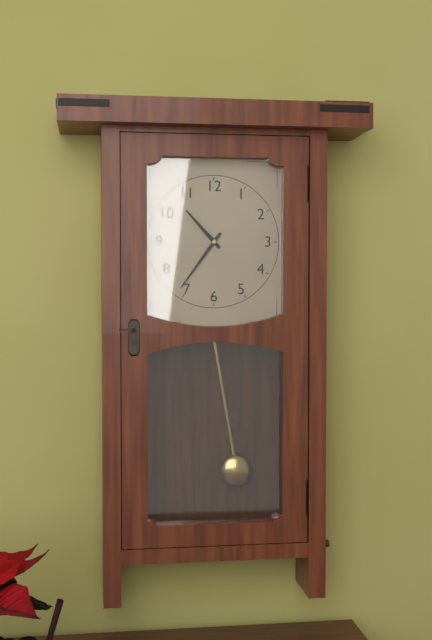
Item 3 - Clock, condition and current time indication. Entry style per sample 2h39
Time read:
10h36
